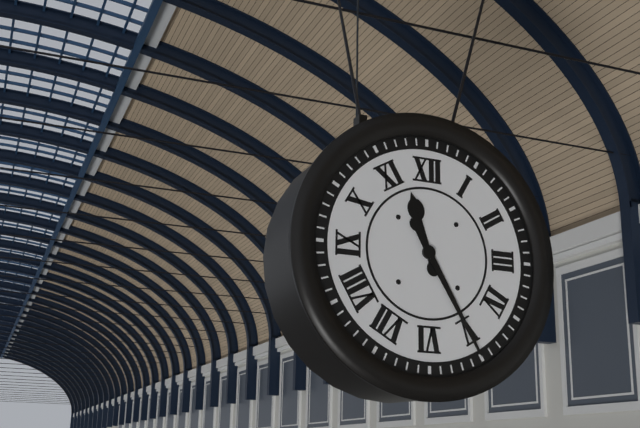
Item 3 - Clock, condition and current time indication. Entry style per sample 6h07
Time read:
11h25
